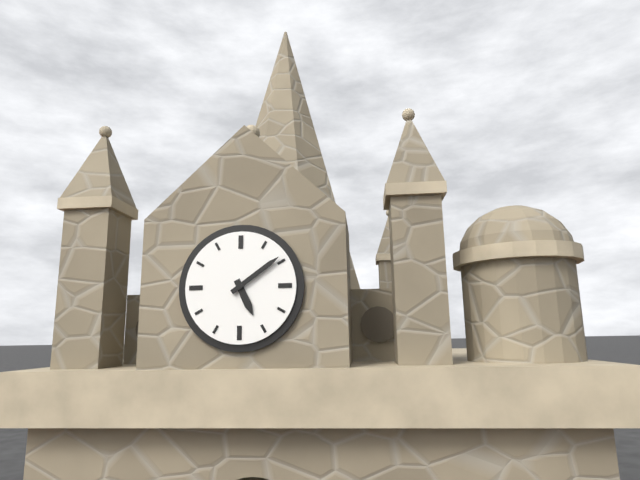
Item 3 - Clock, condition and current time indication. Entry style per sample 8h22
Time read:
5h09
